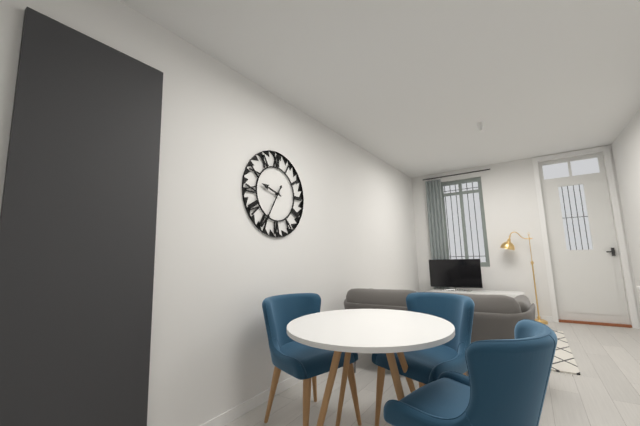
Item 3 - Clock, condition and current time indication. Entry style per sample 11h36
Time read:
9h35
